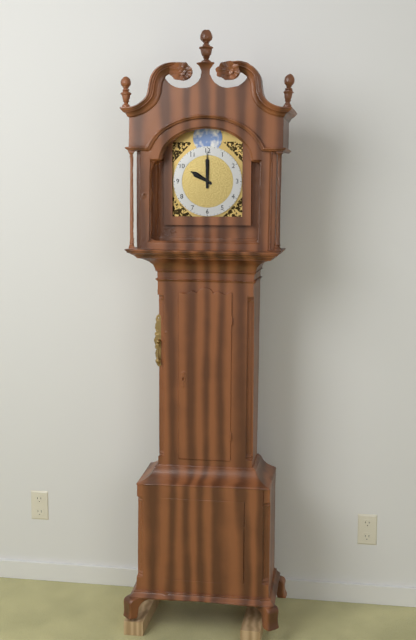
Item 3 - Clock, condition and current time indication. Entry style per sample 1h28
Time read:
10h00
